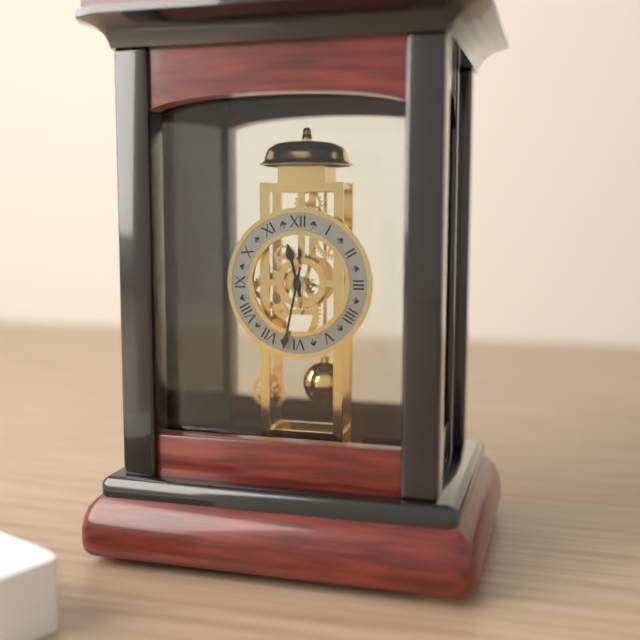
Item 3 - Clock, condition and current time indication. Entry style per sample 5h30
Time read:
11h32
